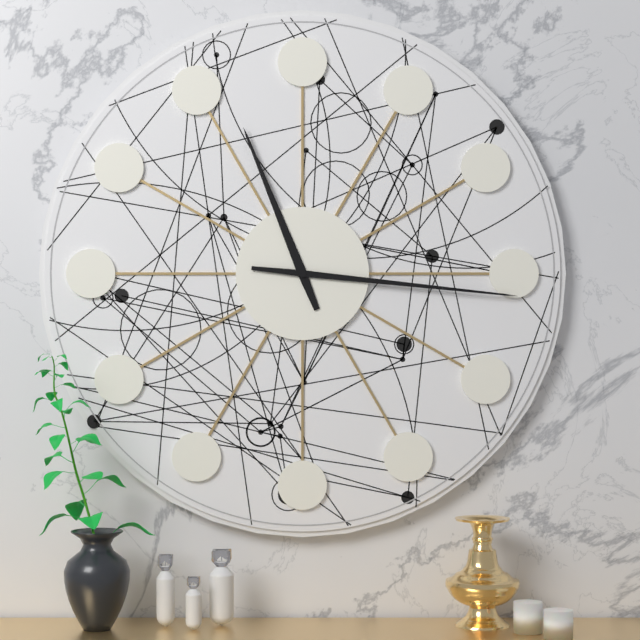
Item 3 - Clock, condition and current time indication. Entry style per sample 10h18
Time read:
11h16
